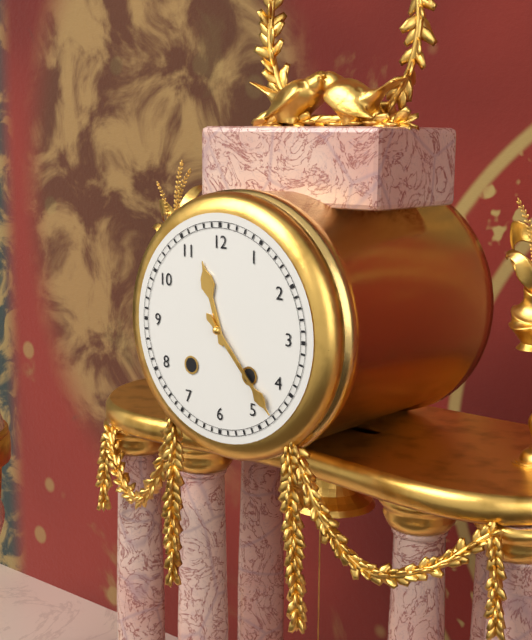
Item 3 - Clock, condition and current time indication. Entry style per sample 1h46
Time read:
11h23
